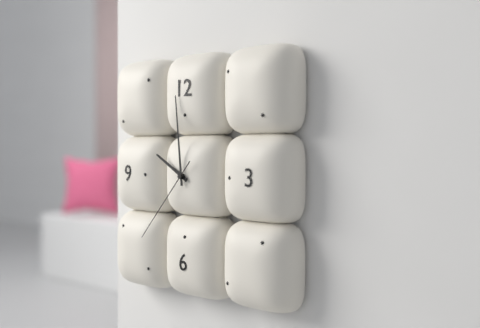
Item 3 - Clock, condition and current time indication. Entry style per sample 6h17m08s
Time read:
9h59m37s
